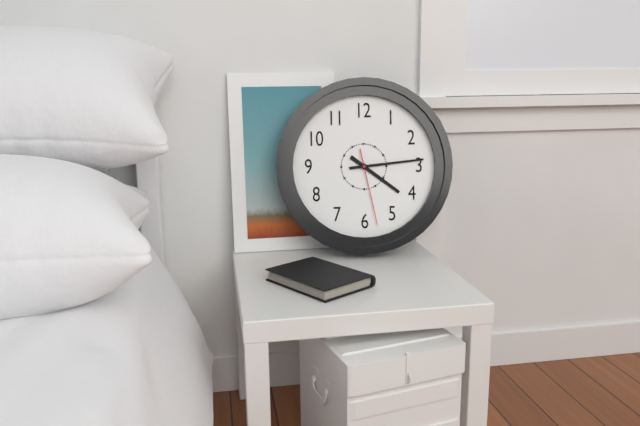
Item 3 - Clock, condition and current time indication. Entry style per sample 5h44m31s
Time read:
4h14m28s
